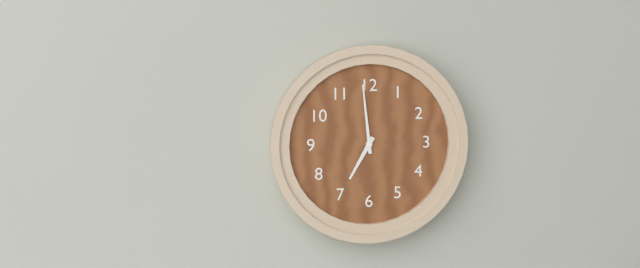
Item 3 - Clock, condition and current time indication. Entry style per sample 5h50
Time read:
6h59
